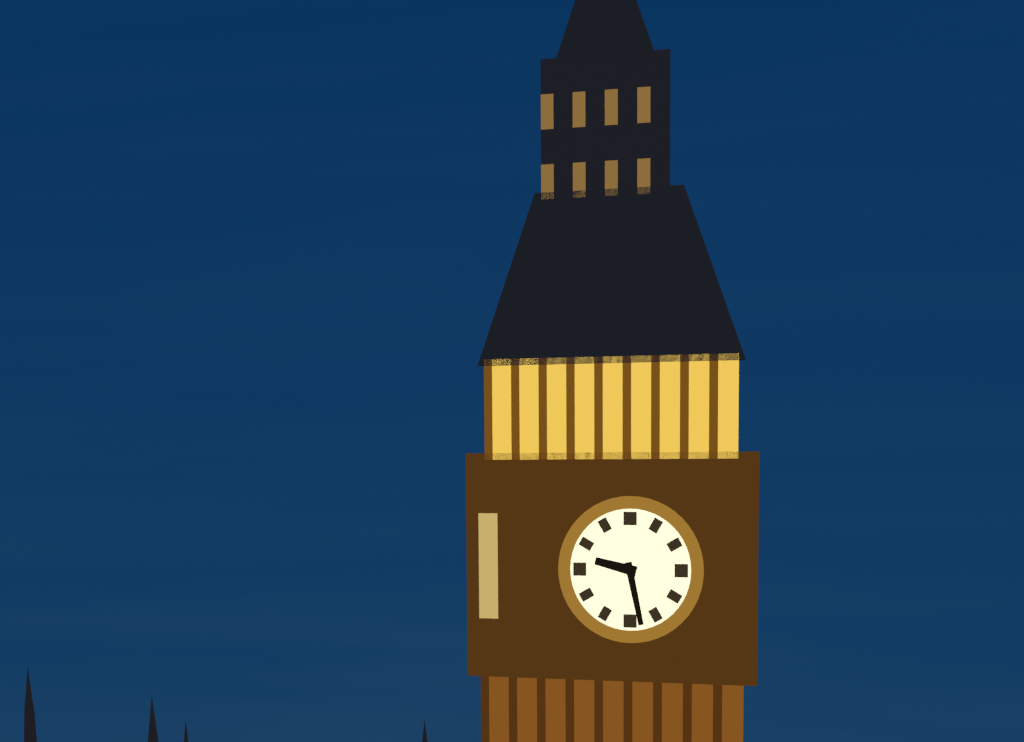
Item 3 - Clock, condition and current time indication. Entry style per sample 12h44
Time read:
9h28
